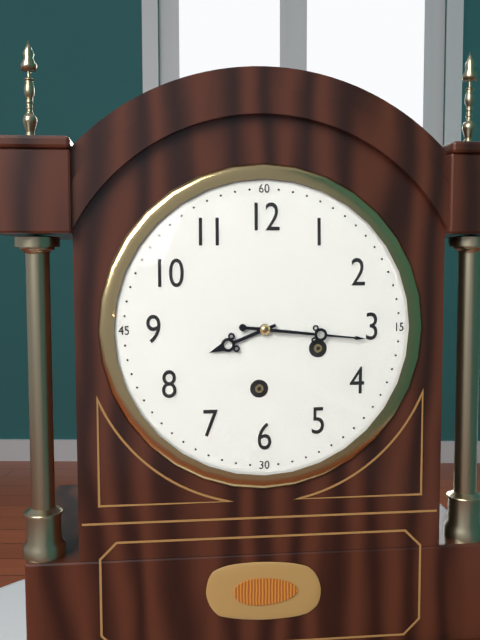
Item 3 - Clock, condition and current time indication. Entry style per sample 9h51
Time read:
8h16
